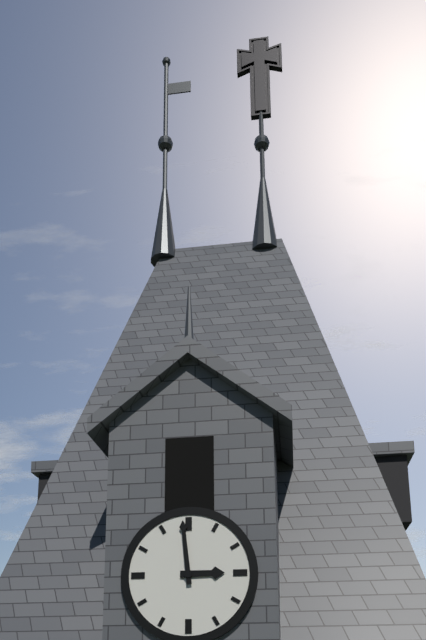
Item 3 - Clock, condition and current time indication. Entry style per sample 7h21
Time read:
2h59
